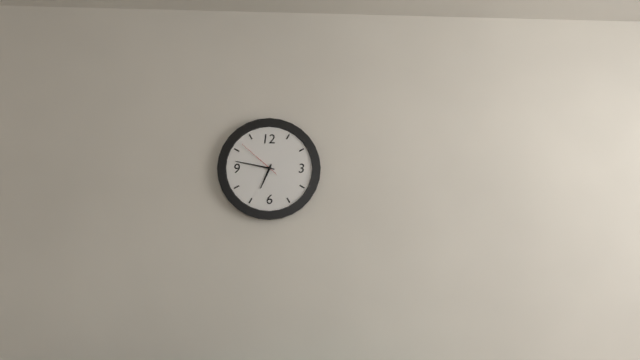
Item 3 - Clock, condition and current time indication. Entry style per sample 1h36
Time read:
6h47
